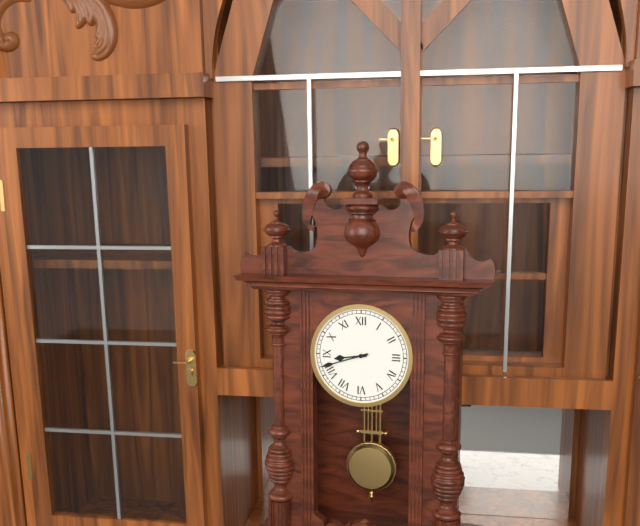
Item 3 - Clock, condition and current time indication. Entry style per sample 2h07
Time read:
8h42
